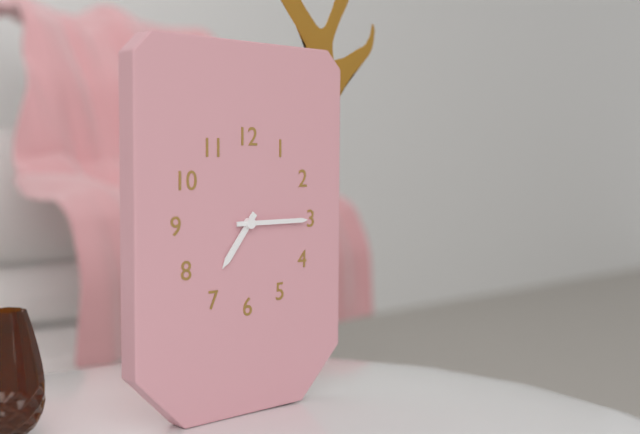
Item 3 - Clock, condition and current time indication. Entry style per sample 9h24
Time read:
7h15
